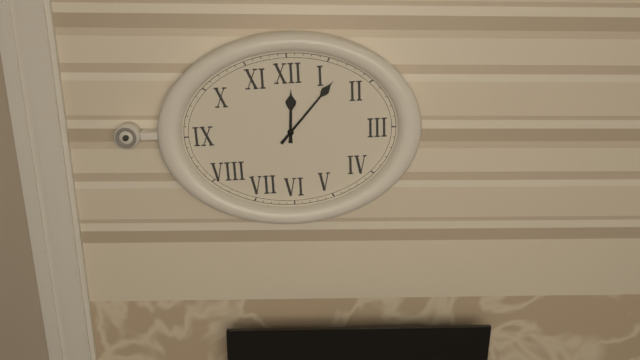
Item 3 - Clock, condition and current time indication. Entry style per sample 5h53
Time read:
12h07
